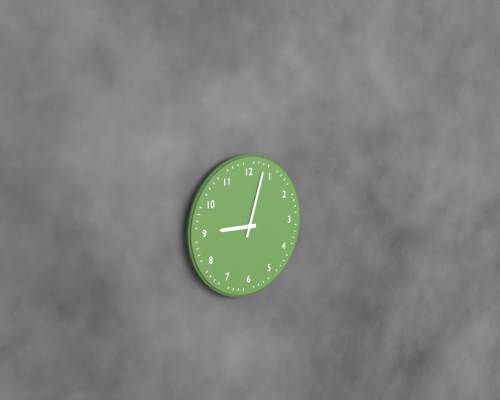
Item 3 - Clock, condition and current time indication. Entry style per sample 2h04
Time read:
9h03
